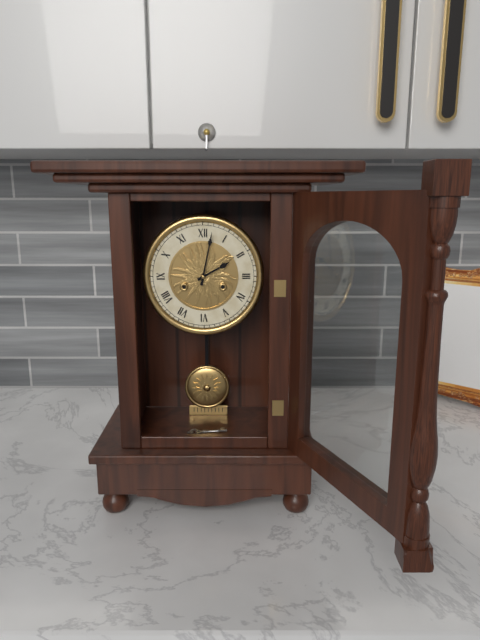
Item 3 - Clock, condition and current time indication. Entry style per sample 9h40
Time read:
2h02
